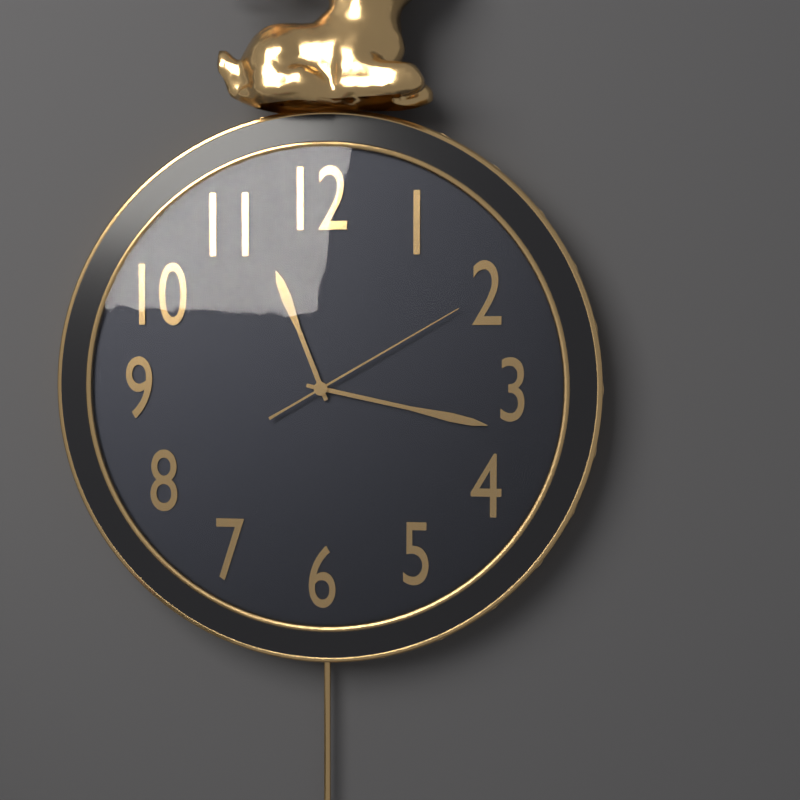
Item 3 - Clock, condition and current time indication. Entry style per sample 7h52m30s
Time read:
11h17m10s
